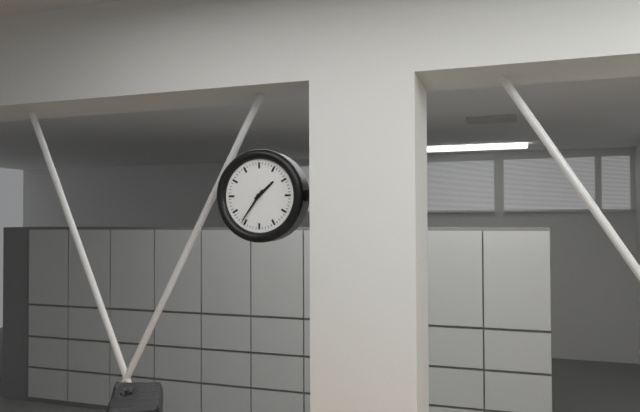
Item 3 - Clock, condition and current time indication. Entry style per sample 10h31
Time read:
1h36
